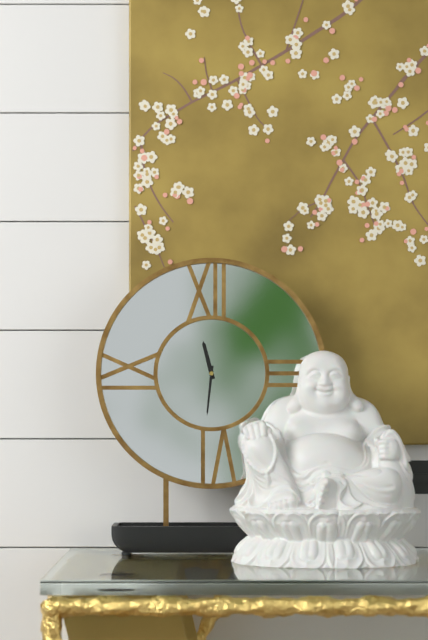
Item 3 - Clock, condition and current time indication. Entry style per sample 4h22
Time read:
11h31
